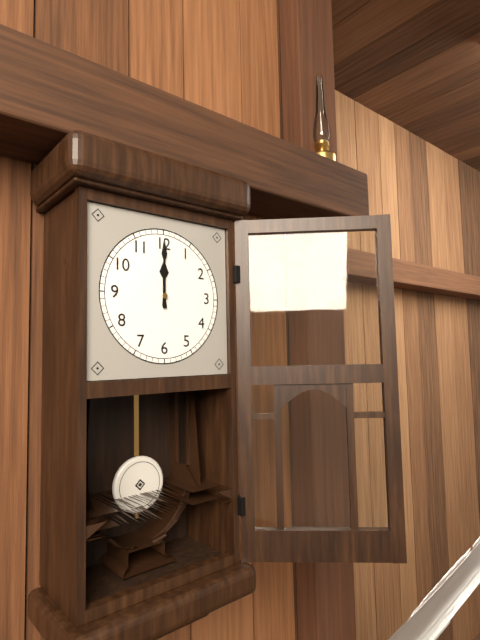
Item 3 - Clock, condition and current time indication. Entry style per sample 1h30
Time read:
12h00
